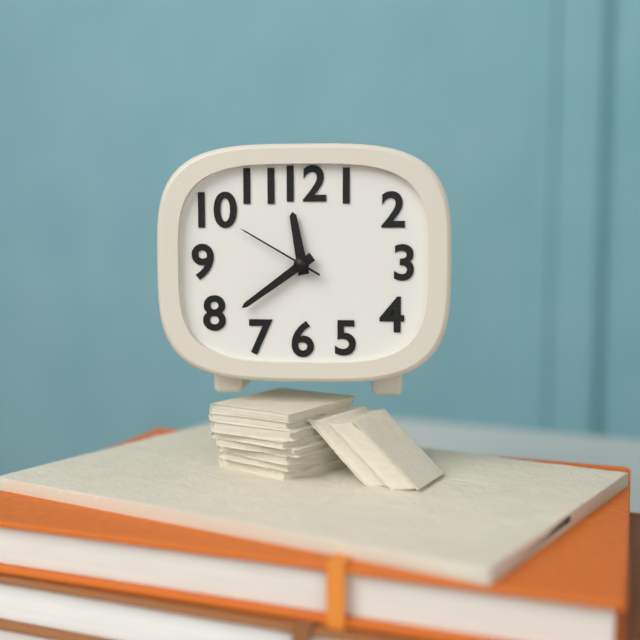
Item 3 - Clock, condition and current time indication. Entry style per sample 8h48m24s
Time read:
11h39m50s
